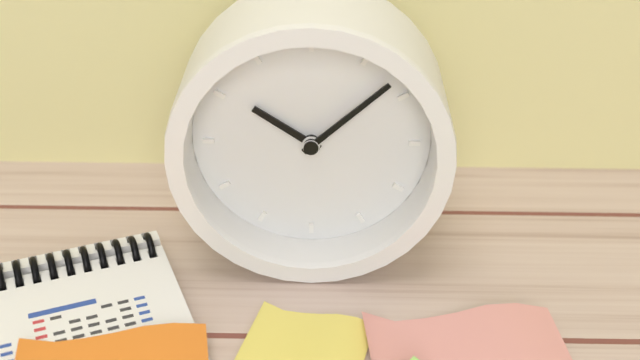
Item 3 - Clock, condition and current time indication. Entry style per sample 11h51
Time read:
10h08
